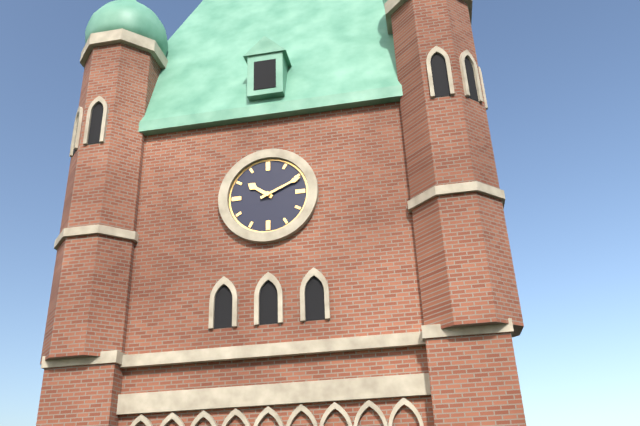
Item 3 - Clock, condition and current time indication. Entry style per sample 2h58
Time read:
10h11
